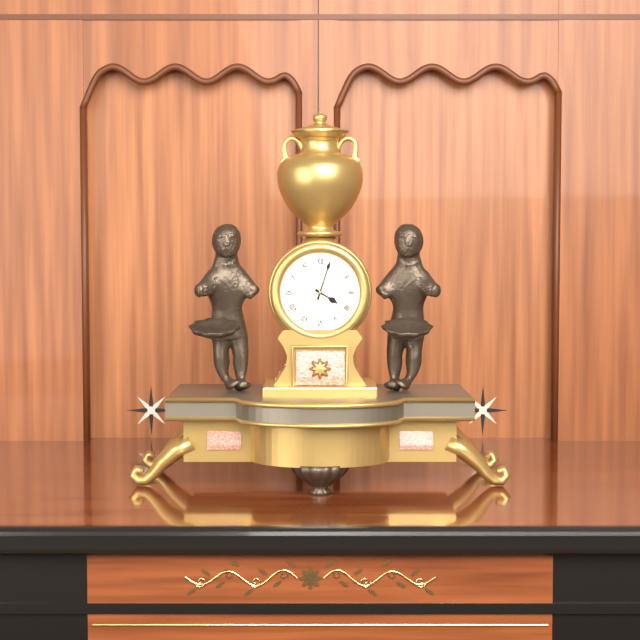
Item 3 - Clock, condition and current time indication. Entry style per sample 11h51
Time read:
4h03
